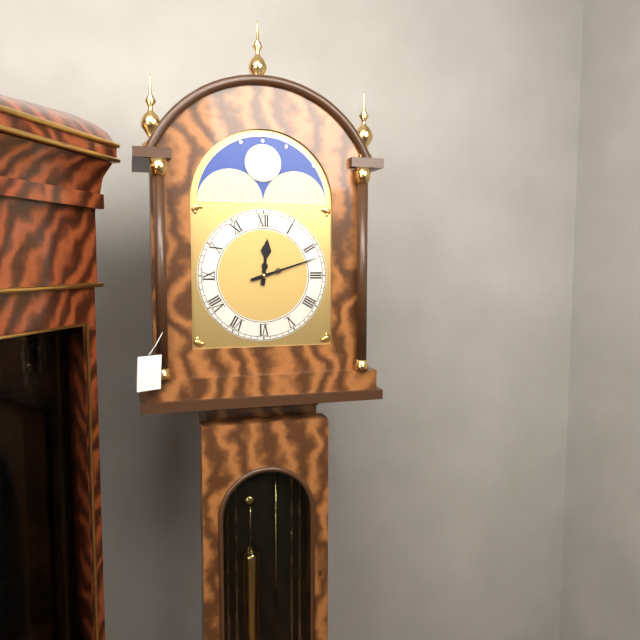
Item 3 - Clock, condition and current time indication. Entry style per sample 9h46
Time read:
12h12
